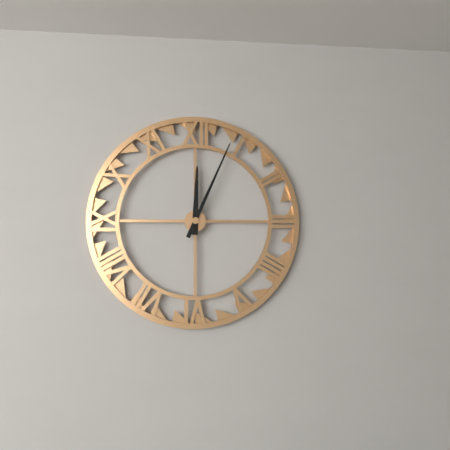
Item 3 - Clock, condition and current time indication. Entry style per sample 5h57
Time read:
12h04
